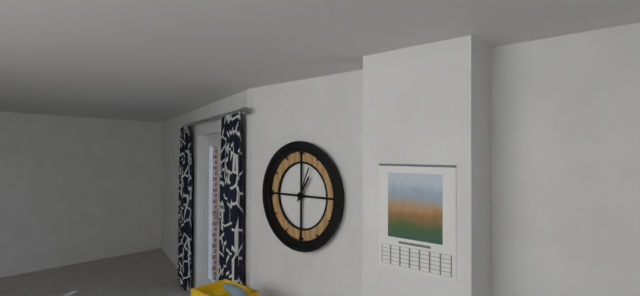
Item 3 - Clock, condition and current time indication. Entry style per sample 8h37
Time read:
1h04
